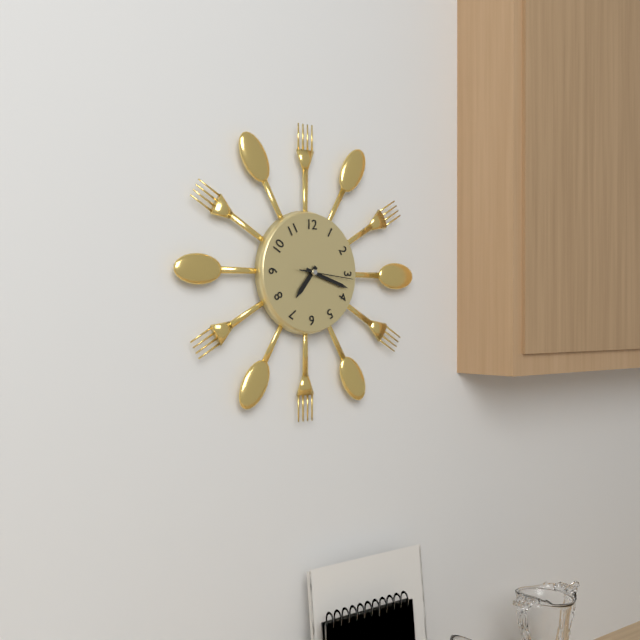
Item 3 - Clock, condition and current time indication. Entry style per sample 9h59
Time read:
7h18
